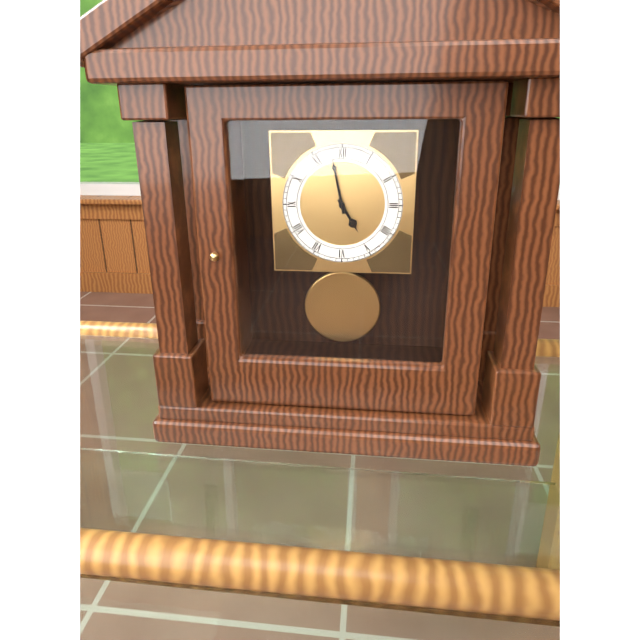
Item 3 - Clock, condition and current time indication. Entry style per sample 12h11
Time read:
4h58
